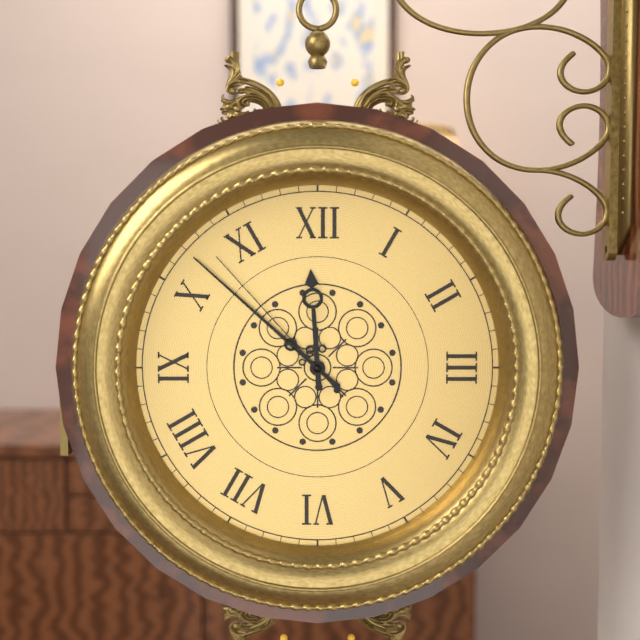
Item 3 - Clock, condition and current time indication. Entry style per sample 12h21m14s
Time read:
11h52m53s
